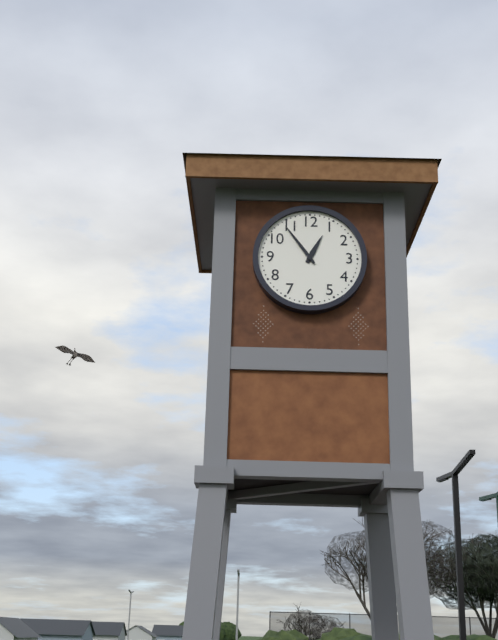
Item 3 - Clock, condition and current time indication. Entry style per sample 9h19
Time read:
12h54
